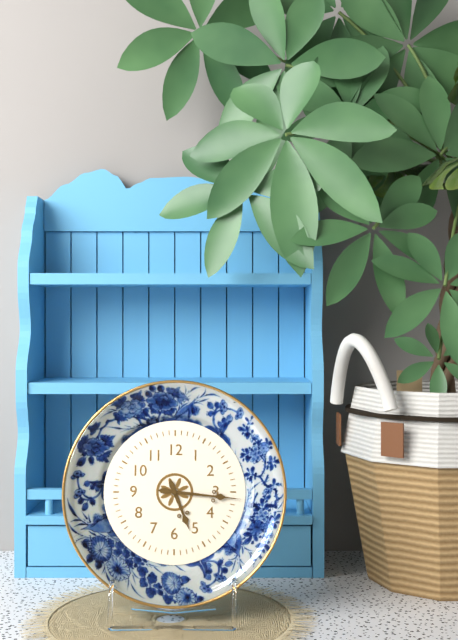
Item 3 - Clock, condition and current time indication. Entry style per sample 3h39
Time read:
5h16
